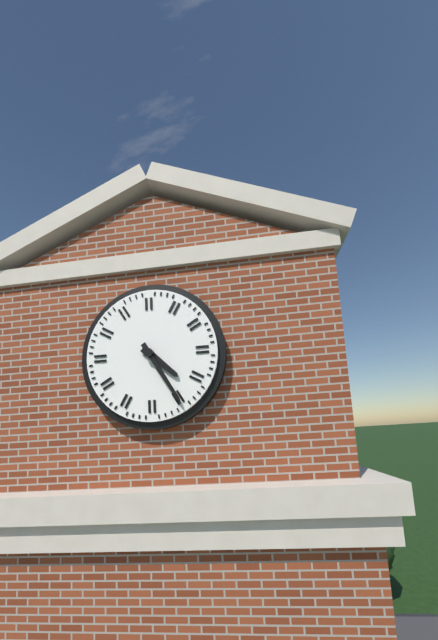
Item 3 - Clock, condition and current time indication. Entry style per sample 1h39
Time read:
4h25
